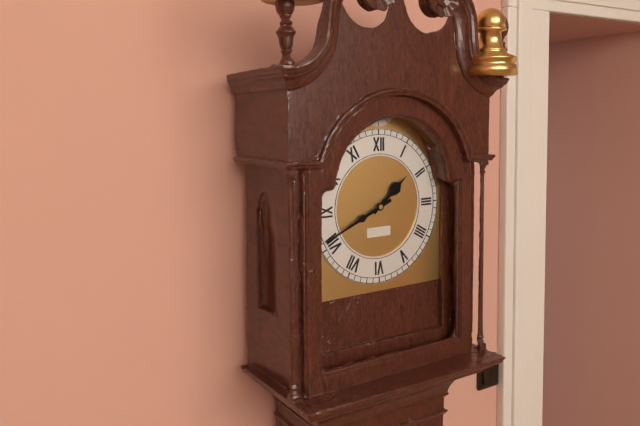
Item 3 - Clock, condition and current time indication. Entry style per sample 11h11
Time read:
1h41
